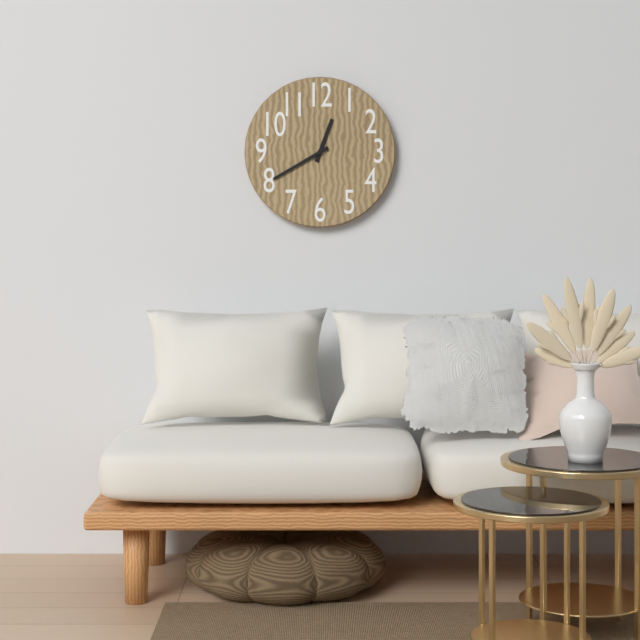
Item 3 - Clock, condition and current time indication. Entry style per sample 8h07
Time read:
12h40
